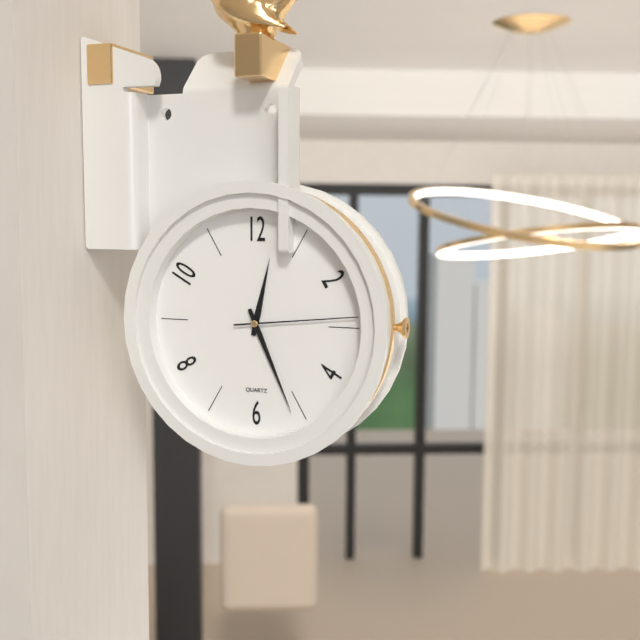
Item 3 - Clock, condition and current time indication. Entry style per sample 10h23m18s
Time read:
12h26m14s
